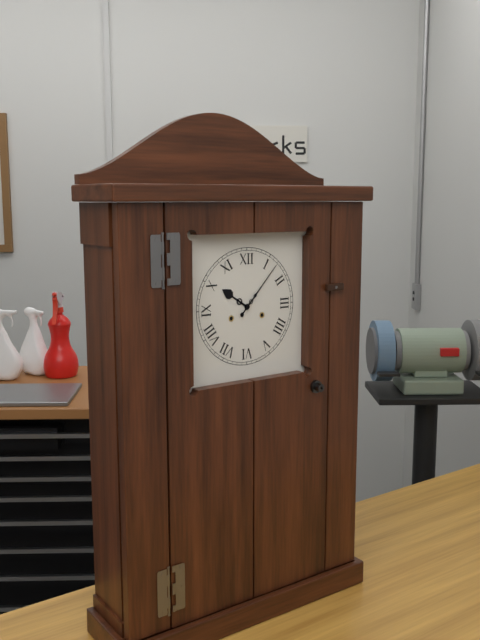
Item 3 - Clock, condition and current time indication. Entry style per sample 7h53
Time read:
10h07
